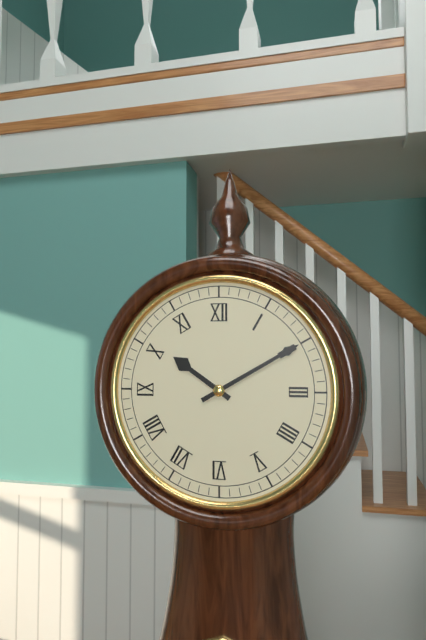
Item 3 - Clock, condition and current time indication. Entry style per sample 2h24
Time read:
10h10
